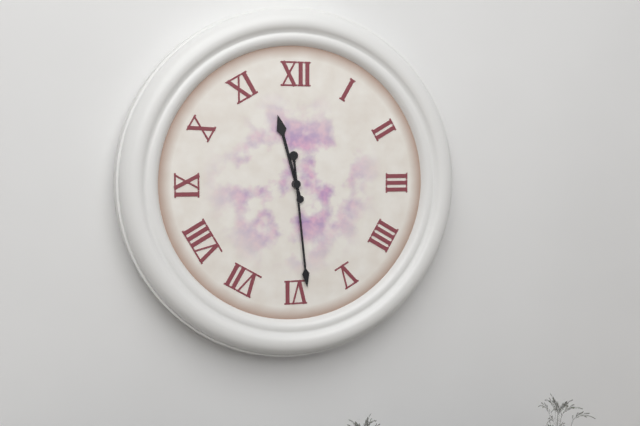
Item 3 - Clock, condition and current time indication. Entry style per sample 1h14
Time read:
11h29
